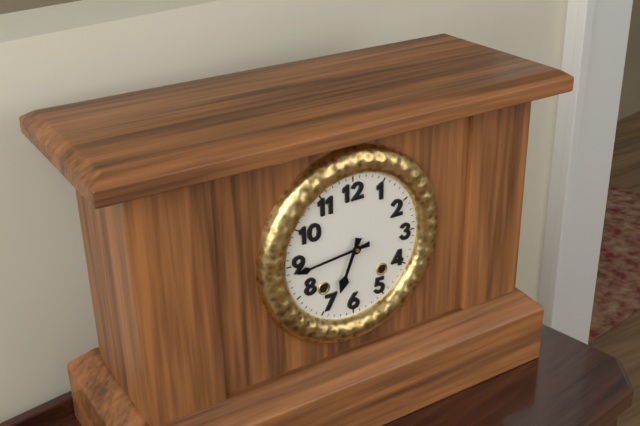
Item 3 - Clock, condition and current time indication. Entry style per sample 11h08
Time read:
6h44
